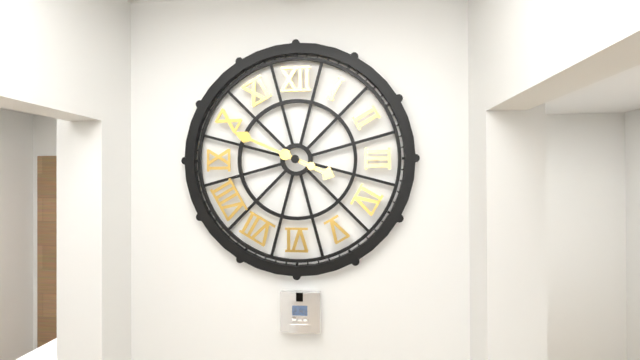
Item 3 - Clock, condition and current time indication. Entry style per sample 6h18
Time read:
3h49
